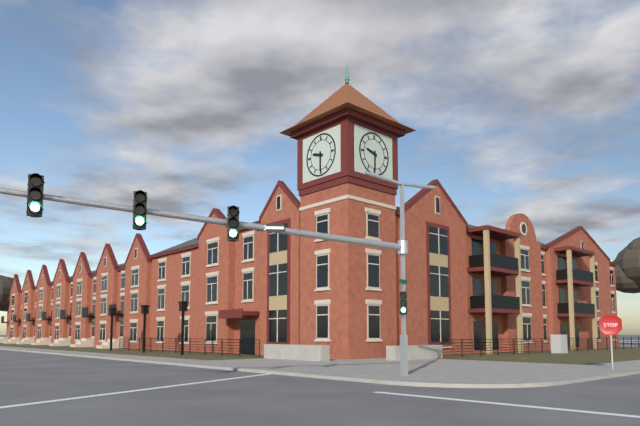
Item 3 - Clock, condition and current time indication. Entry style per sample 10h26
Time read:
9h30
